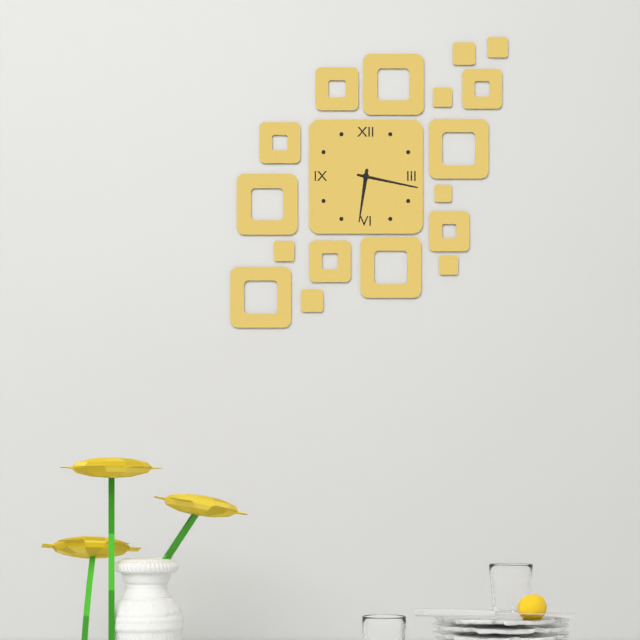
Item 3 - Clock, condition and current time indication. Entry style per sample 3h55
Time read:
6h17
